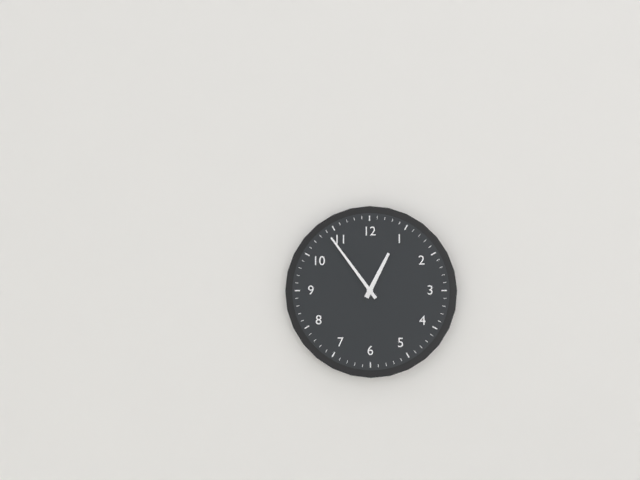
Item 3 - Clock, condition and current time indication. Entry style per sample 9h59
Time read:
12h54
